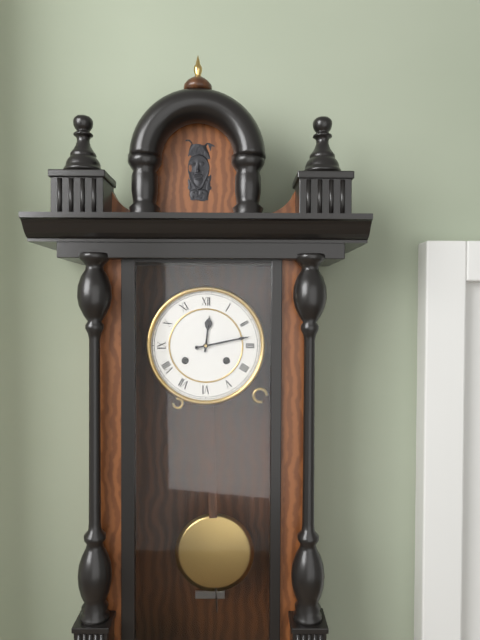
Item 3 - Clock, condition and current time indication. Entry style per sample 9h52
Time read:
12h13
